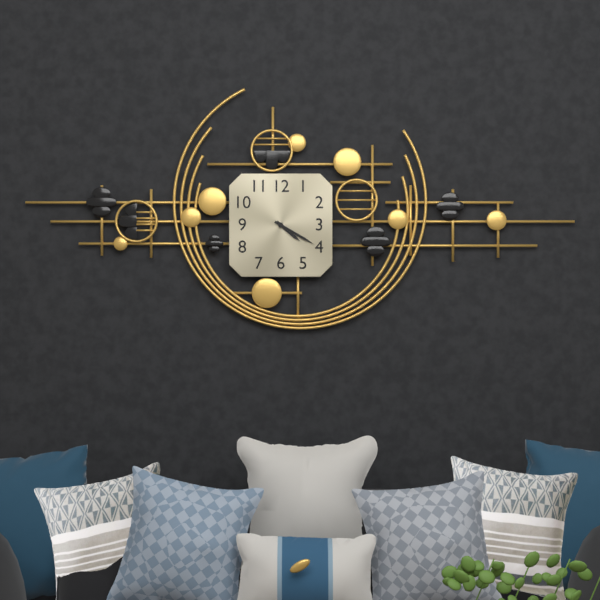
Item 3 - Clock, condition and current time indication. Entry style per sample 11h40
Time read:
4h20
